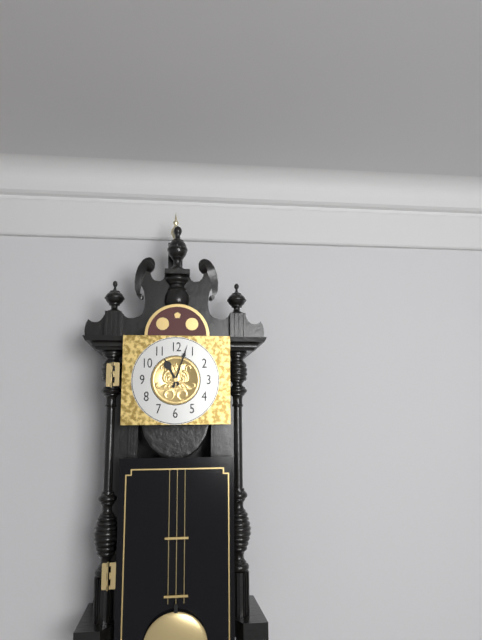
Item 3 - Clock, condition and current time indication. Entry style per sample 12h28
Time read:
11h03
